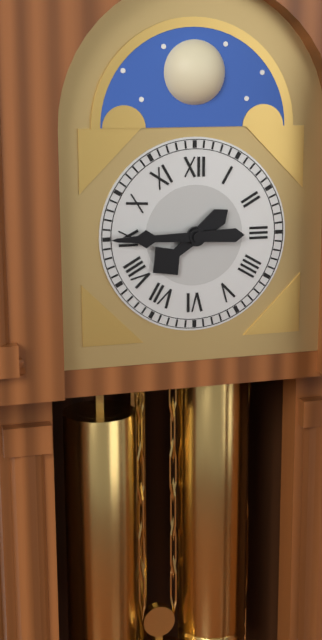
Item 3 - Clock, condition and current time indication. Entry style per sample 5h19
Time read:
7h45
